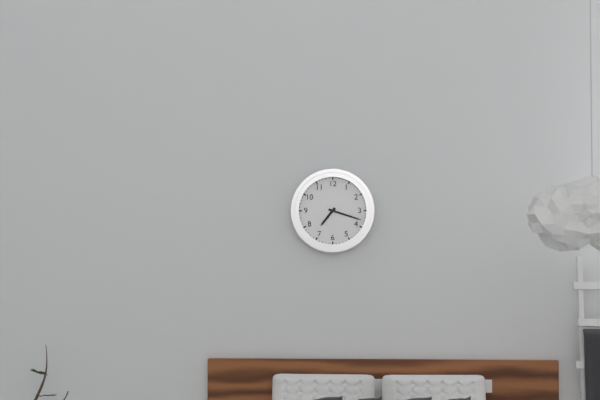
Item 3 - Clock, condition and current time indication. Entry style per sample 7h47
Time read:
7h18
